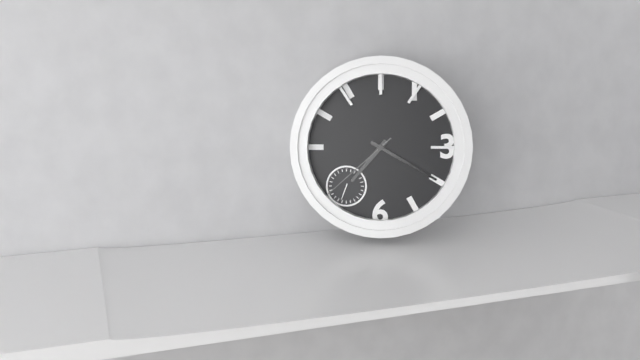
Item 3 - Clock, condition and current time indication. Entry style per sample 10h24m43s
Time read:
7h20m38s
